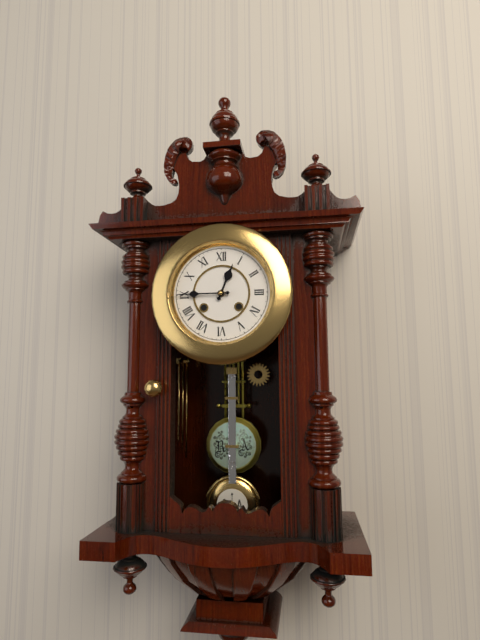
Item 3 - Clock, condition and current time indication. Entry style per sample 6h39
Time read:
12h45
